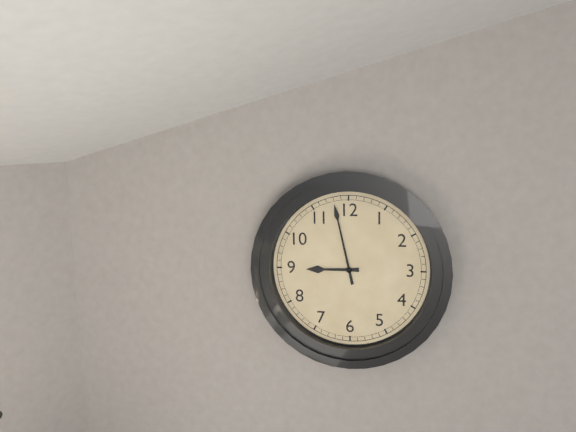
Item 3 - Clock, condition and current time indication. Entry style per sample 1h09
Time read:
8h58
